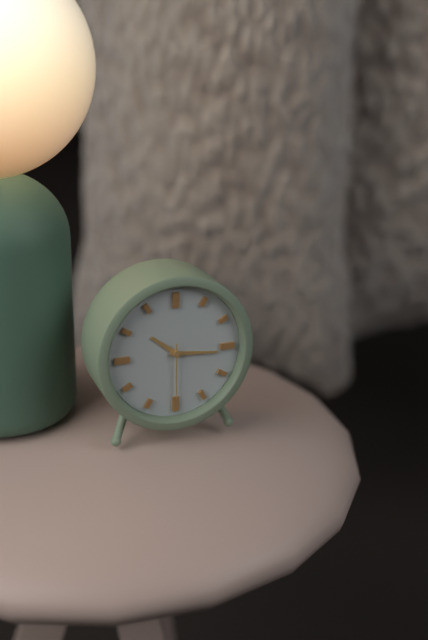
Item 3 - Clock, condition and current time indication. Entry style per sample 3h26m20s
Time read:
10h16m30s
